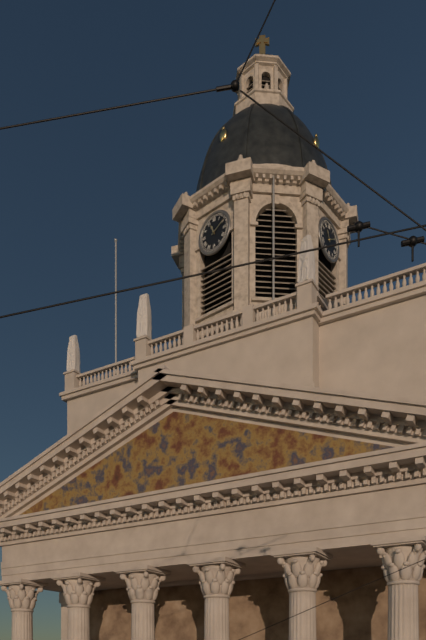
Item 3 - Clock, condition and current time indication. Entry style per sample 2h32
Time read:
11h10
